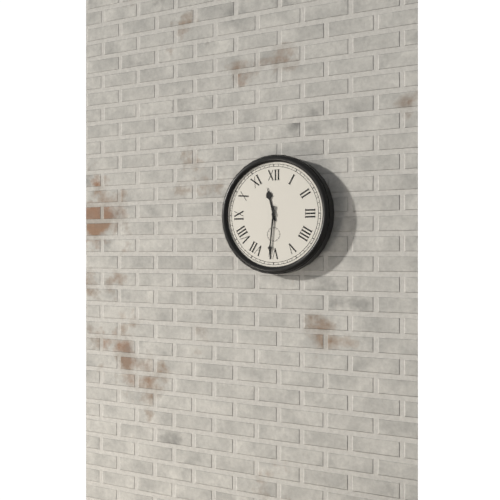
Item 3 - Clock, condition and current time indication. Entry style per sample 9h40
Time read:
11h31
